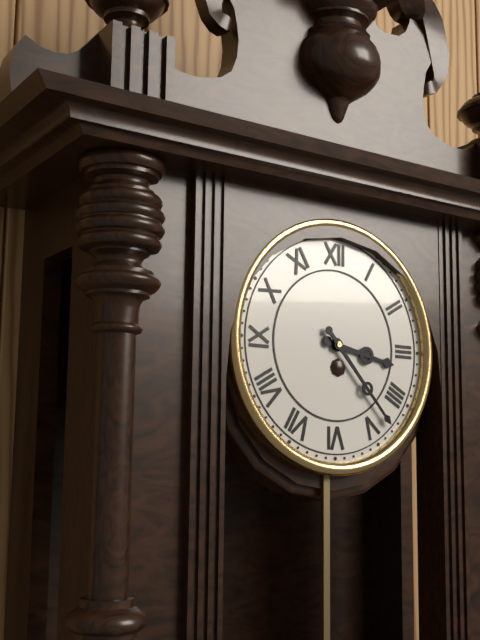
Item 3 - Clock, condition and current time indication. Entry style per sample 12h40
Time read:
3h23
